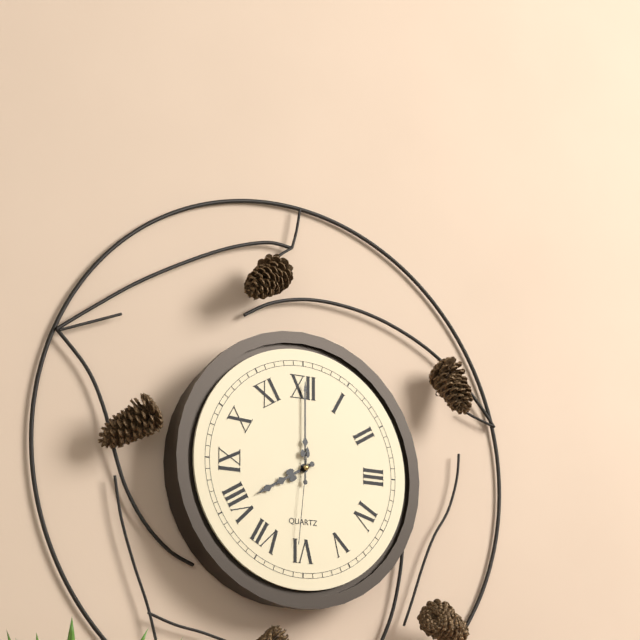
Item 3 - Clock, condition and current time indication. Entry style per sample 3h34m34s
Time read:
8h00m31s
